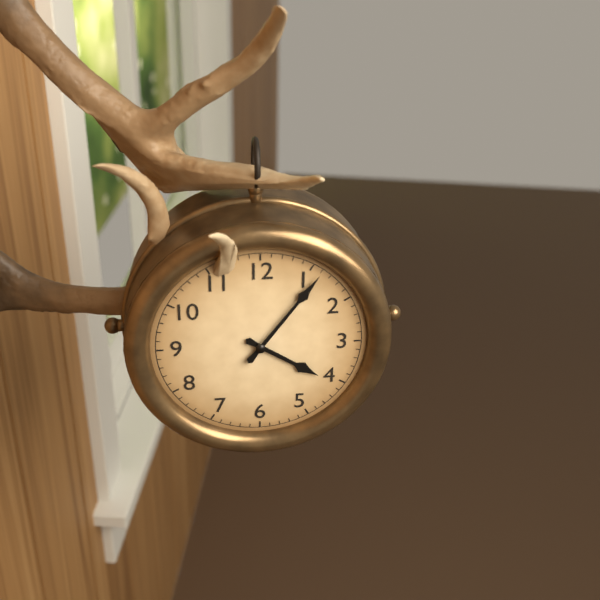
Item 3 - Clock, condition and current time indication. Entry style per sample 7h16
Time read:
4h06
